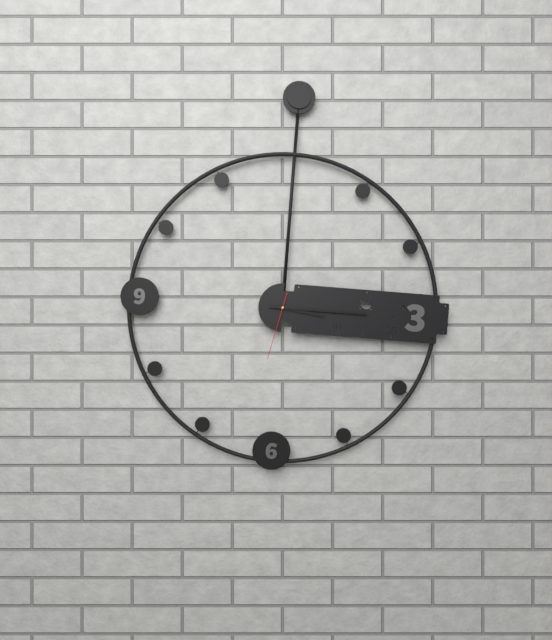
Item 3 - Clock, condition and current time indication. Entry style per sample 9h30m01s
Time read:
3h15m32s
